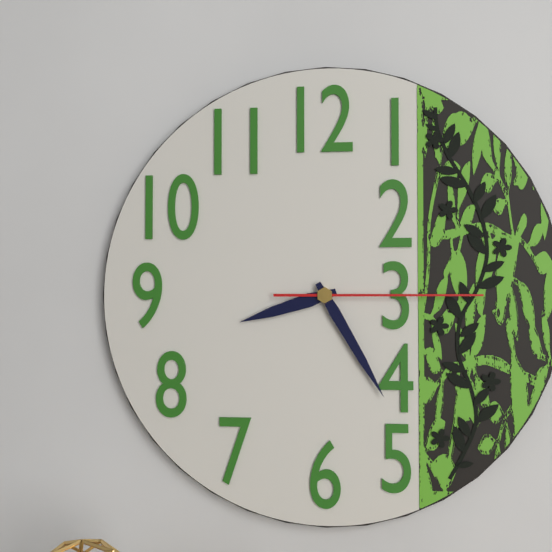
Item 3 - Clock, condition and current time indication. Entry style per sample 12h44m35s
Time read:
8h25m15s
